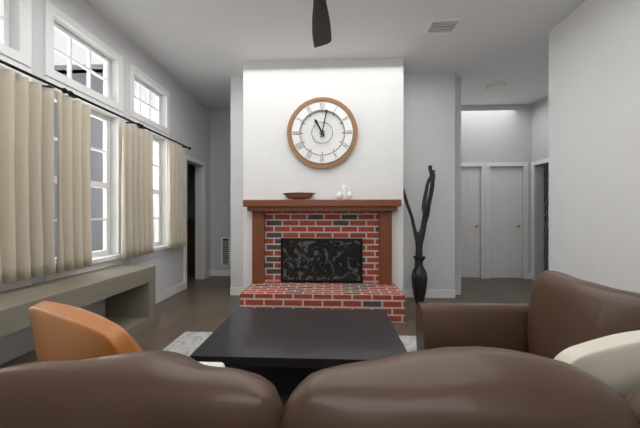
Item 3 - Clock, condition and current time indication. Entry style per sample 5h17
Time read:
11h02
